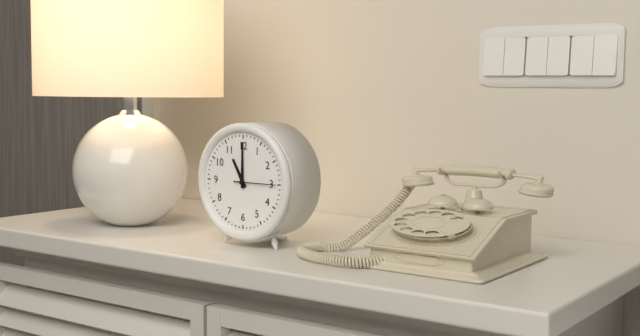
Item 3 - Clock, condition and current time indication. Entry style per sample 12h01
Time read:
11h00
